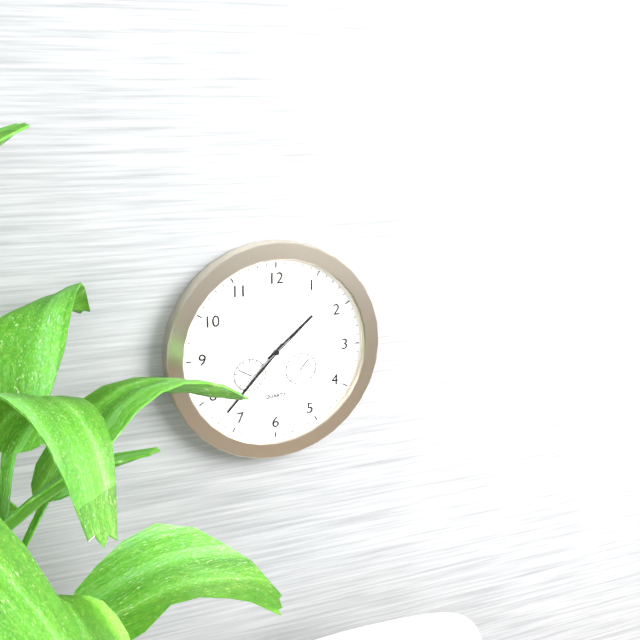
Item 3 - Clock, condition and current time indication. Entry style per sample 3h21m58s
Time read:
1h37m38s
